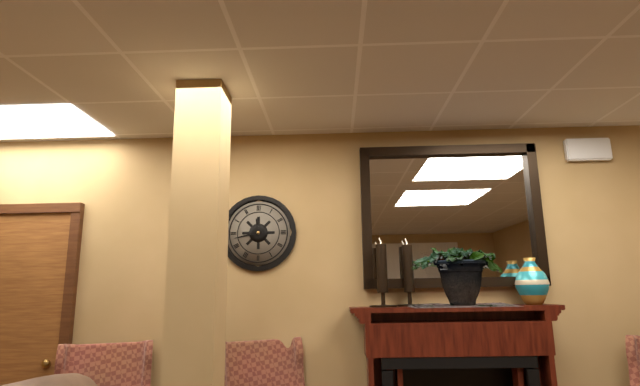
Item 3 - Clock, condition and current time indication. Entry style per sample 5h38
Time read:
11h43
